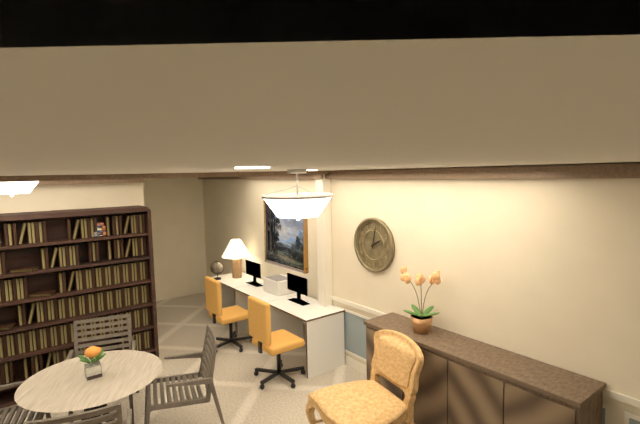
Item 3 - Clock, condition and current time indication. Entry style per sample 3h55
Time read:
2h02
